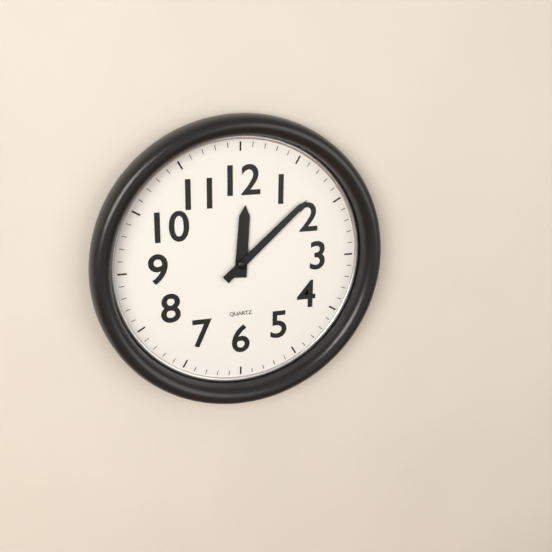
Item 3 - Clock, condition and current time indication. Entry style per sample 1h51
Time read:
12h08
